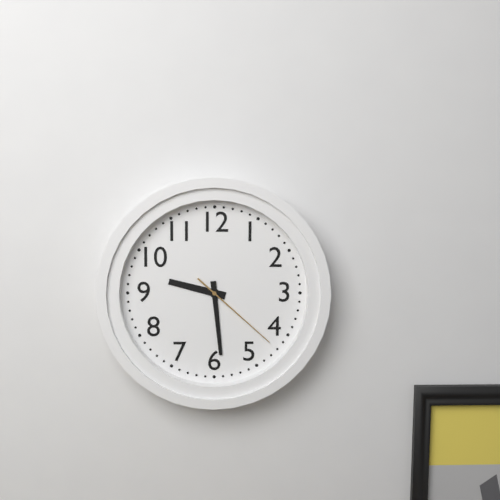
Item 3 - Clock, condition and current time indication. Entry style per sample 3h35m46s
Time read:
9h29m22s
